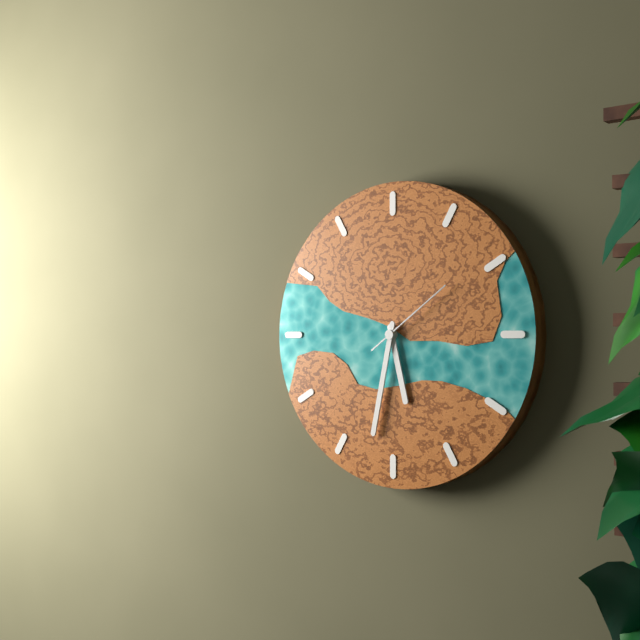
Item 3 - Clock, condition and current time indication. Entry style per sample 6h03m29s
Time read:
5h32m09s
